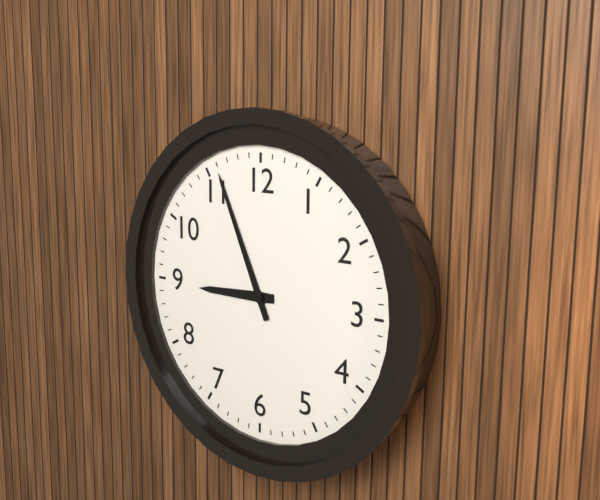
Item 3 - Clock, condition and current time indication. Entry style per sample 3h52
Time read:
8h56
